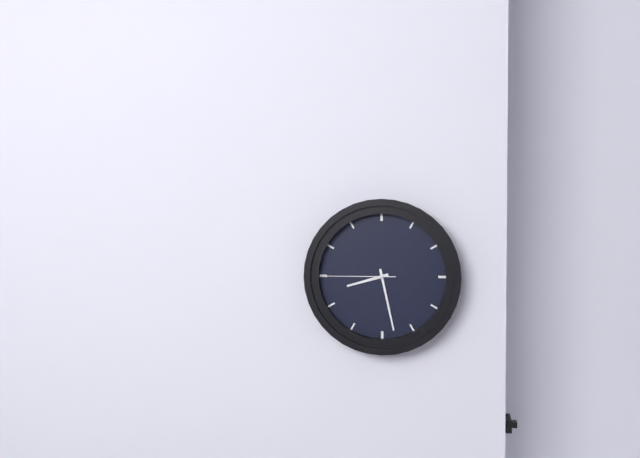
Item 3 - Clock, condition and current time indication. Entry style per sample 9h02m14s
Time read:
8h28m45s
